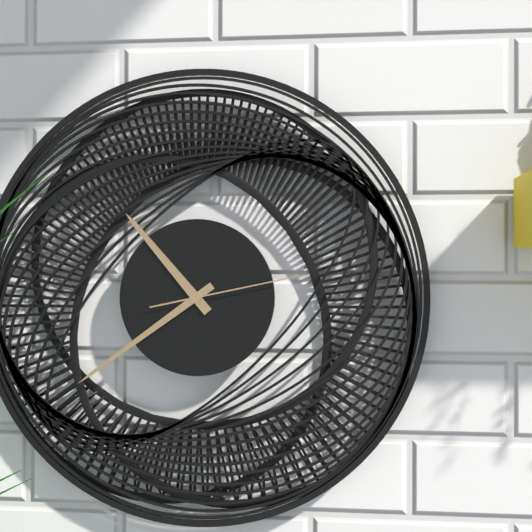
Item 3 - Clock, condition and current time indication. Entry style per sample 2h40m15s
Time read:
10h39m13s
